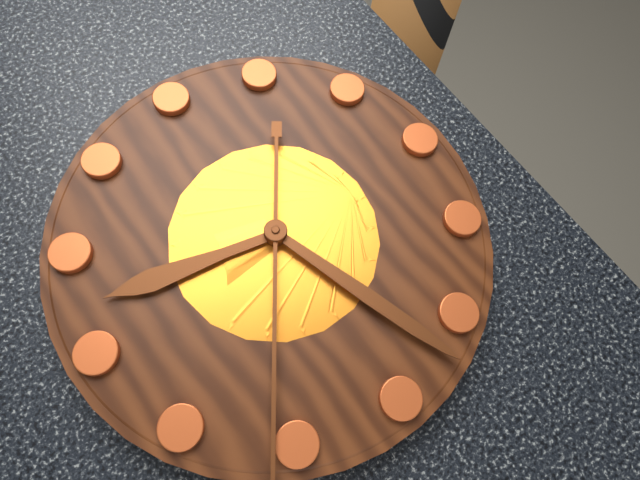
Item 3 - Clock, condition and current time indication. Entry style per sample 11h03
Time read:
9h27
